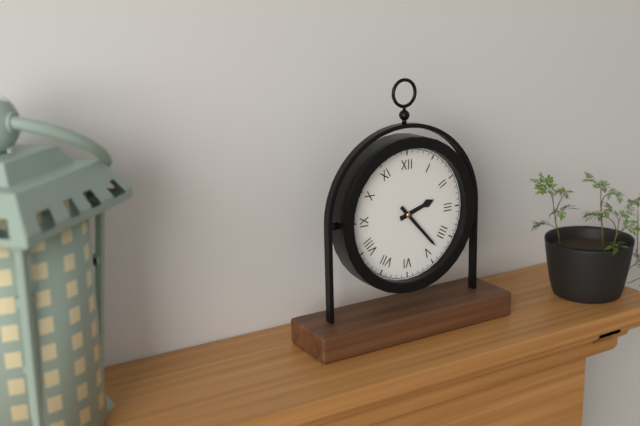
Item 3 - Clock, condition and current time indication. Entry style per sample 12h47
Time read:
2h23
